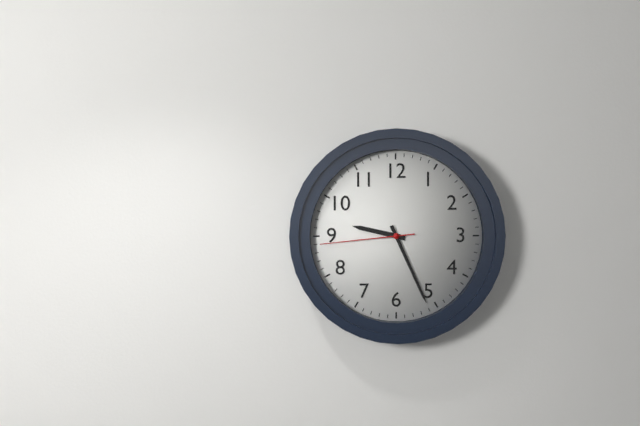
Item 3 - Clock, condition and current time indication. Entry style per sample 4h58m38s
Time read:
9h26m44s
